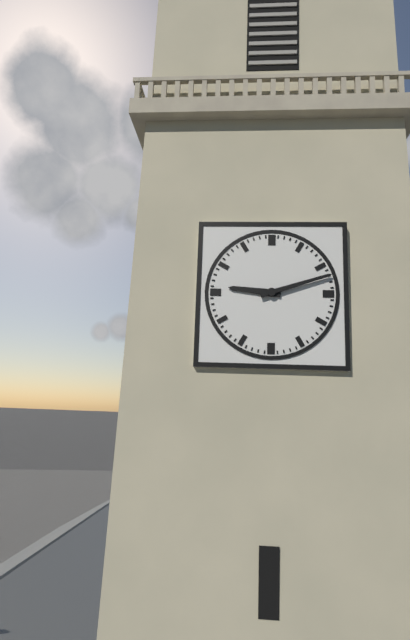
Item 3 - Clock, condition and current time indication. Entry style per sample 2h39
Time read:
9h12
